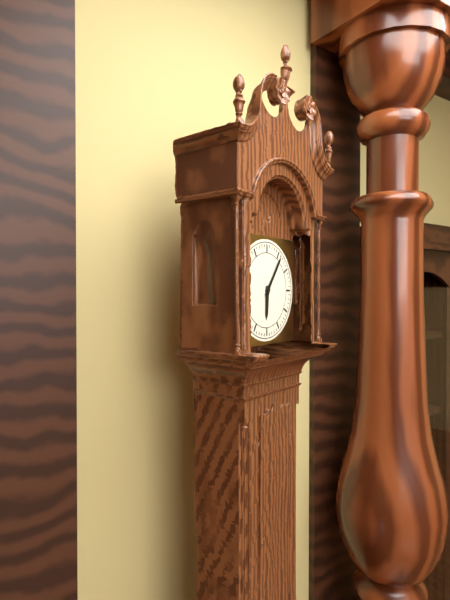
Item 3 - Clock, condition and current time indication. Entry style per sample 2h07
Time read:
6h06
